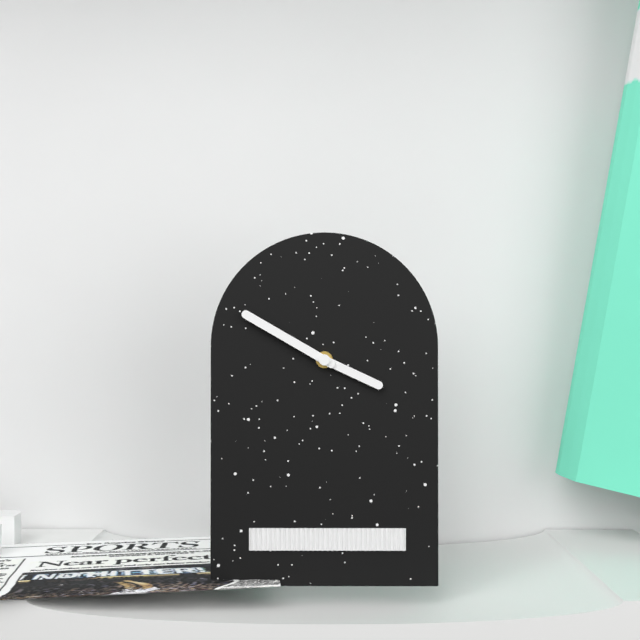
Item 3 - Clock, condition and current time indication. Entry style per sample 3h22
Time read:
3h50
